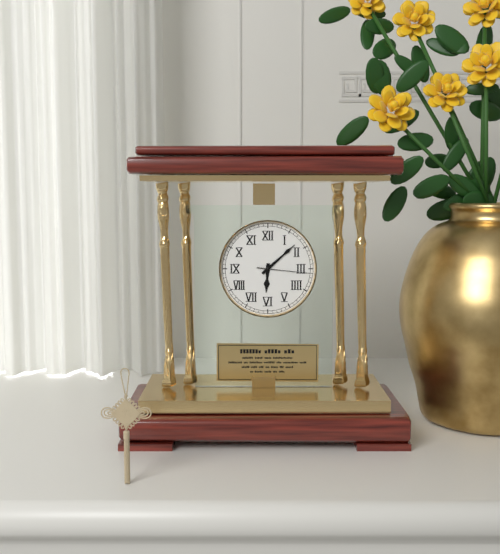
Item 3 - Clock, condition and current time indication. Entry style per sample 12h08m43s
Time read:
6h08m16s
